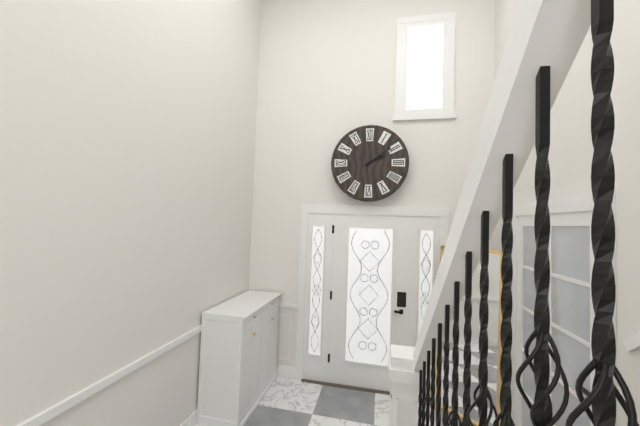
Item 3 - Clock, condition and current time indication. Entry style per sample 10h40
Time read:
2h09
